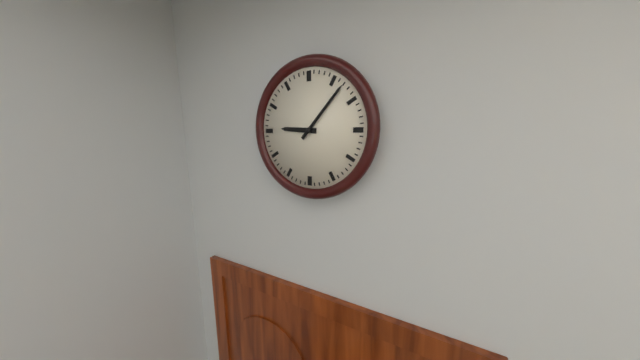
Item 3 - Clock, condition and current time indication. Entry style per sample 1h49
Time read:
9h07
